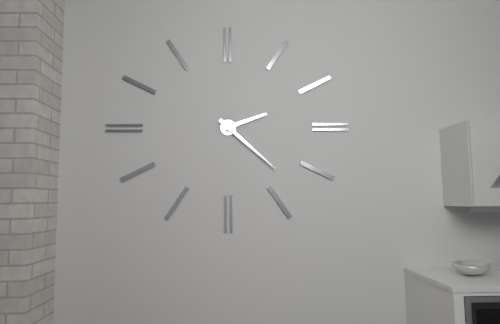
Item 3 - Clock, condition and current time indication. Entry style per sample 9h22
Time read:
2h22
